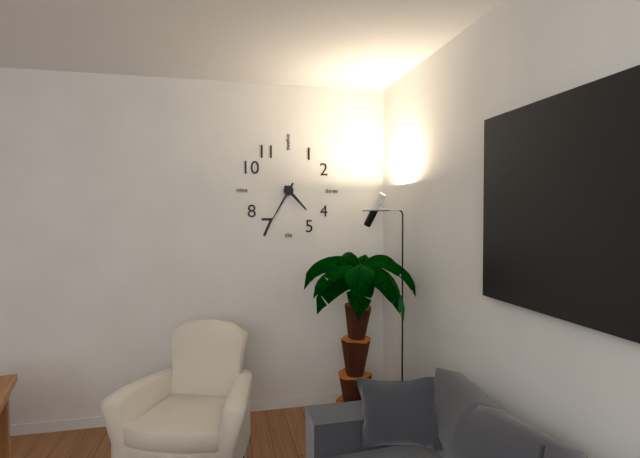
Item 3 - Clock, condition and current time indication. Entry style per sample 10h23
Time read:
4h35
